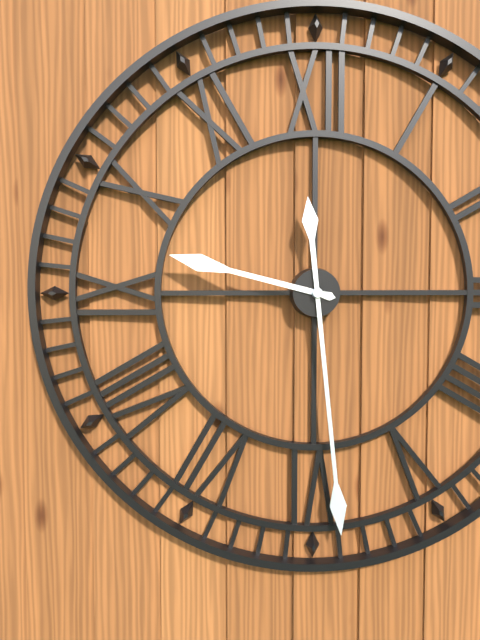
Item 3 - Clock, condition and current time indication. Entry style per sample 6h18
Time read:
9h29
